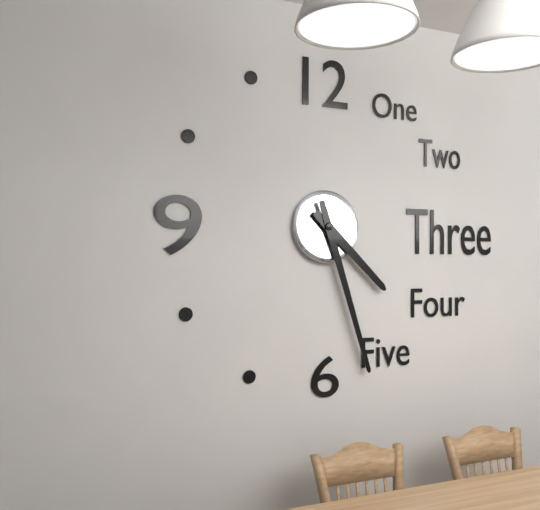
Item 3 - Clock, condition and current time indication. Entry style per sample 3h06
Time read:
4h27
